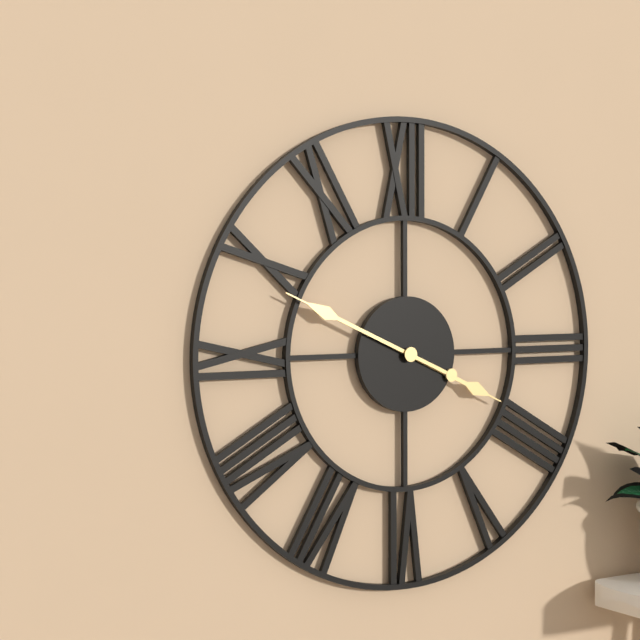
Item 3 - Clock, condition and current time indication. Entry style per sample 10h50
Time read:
3h49
